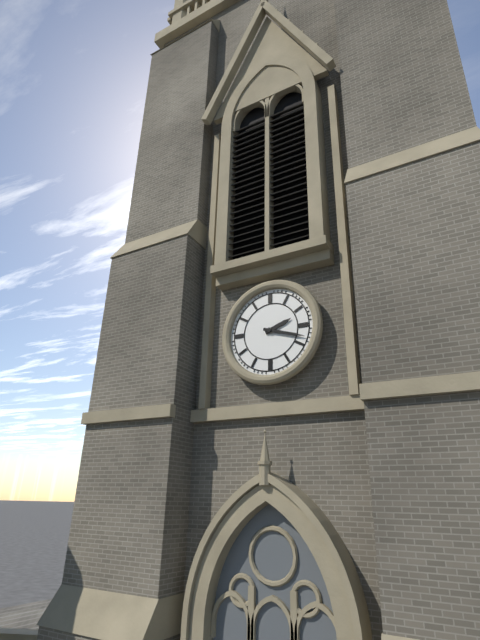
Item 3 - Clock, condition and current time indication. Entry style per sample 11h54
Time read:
2h18
